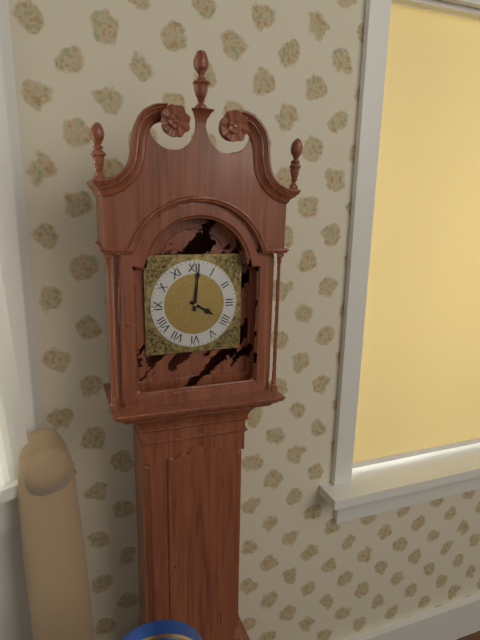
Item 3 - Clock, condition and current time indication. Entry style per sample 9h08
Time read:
4h01
